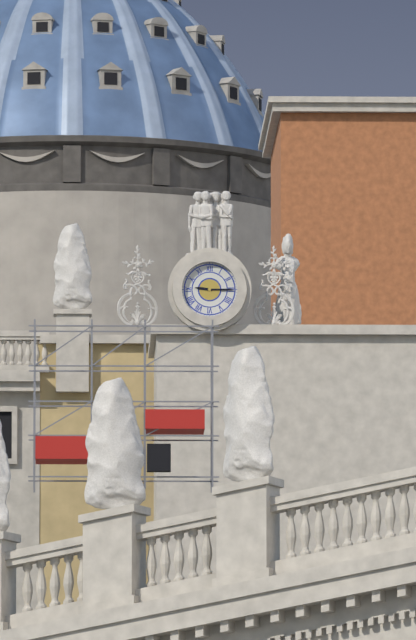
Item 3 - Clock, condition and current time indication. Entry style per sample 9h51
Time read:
9h15
